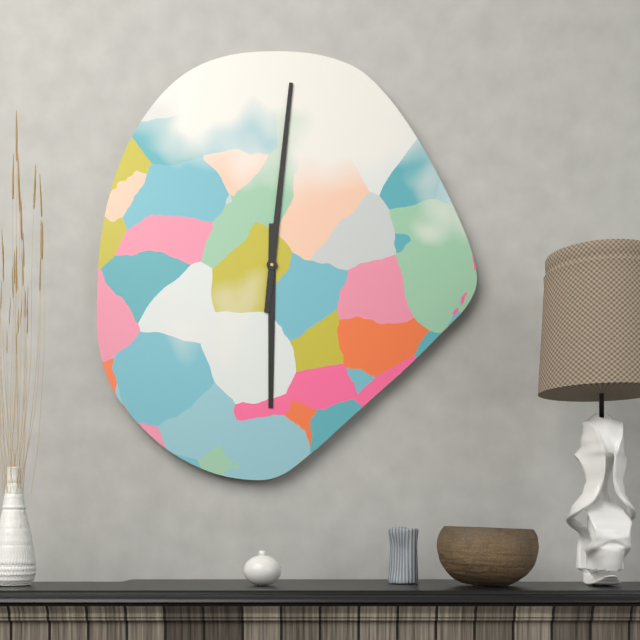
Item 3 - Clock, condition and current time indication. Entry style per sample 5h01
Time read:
6h01
